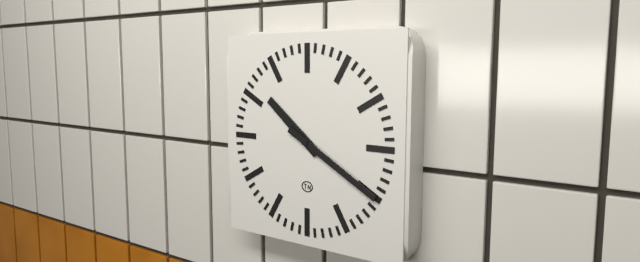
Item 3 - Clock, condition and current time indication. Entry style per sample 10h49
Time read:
10h20
